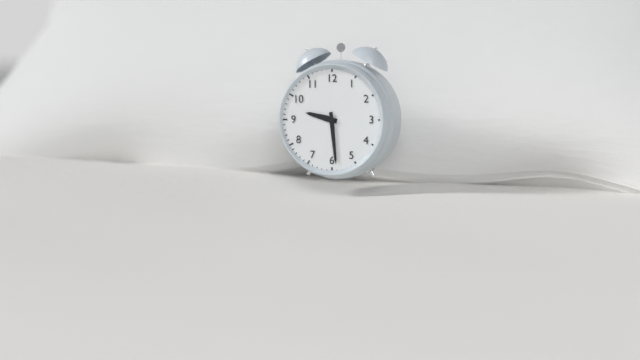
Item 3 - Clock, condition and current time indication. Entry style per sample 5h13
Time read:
9h29
